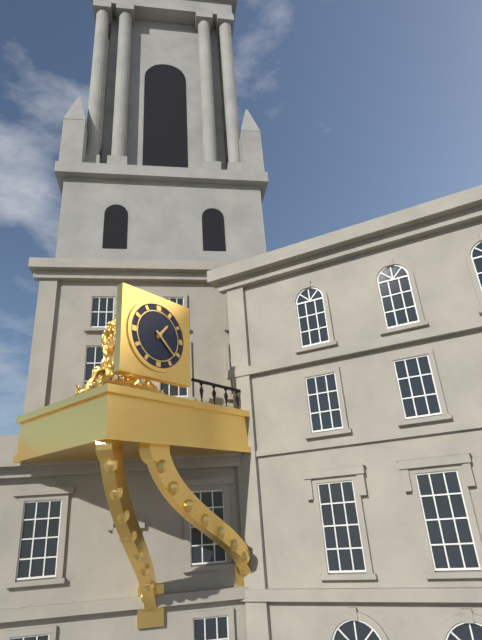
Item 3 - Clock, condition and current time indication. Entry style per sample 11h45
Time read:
1h22
